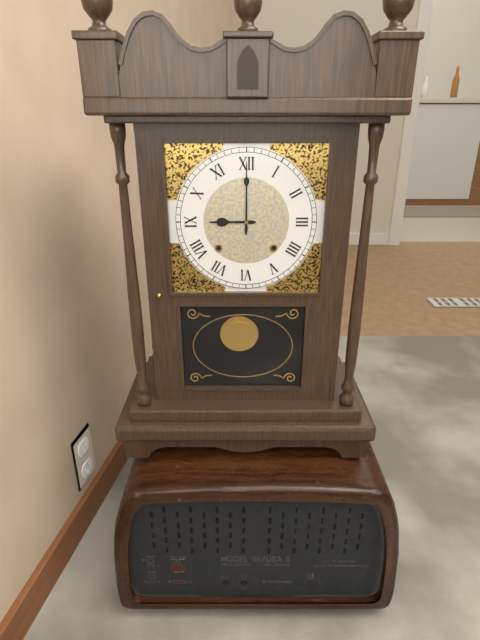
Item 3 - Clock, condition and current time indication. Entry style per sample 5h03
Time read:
9h00
